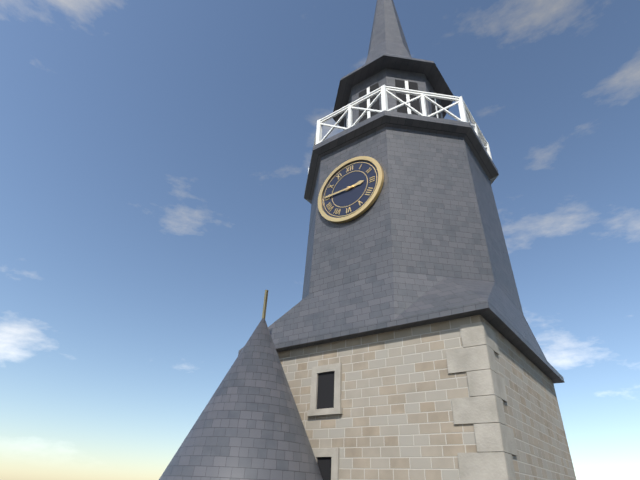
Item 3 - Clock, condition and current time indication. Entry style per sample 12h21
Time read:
2h45
